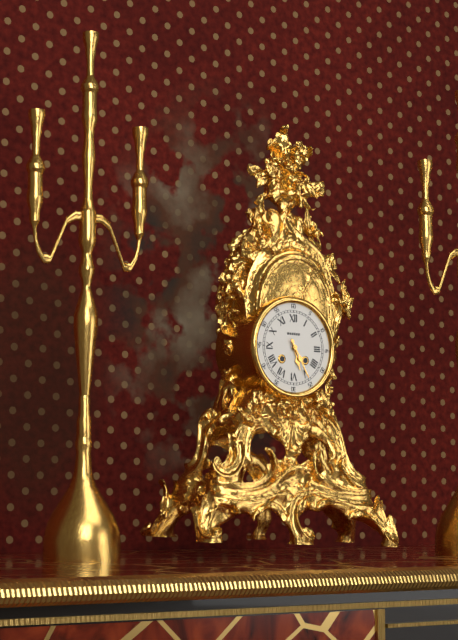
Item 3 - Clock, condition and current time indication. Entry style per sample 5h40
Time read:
5h25
